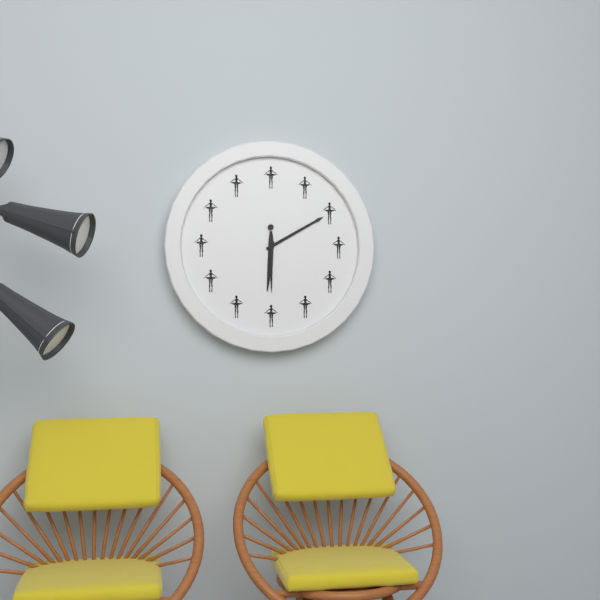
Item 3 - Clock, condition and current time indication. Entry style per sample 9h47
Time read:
6h10
